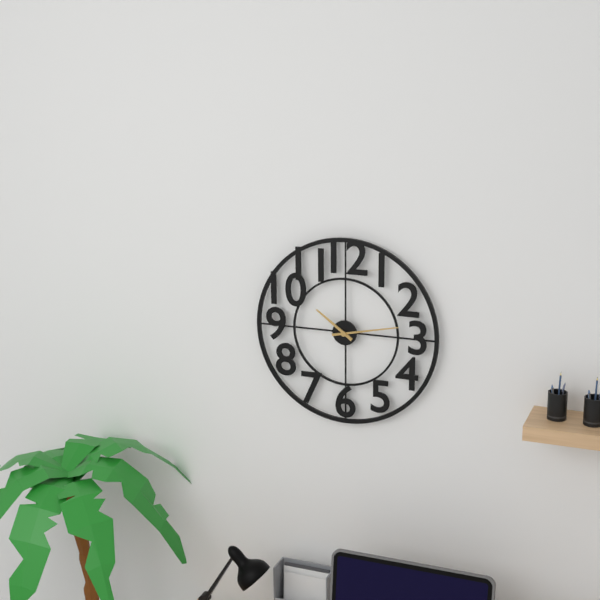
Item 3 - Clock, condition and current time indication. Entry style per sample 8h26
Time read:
10h13
